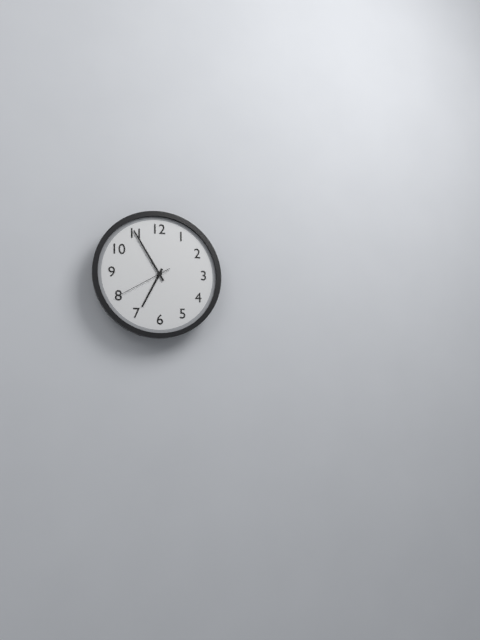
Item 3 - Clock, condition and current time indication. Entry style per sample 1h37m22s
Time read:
6h55m40s
